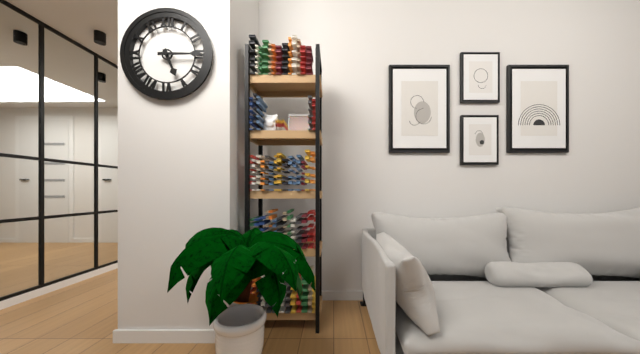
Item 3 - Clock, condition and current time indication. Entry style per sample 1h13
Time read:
5h15
